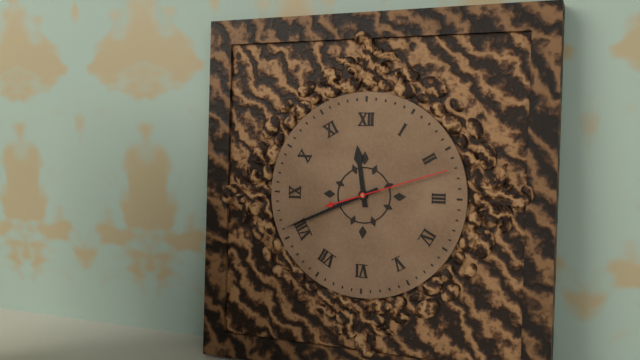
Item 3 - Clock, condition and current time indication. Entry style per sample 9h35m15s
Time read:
11h41m12s
